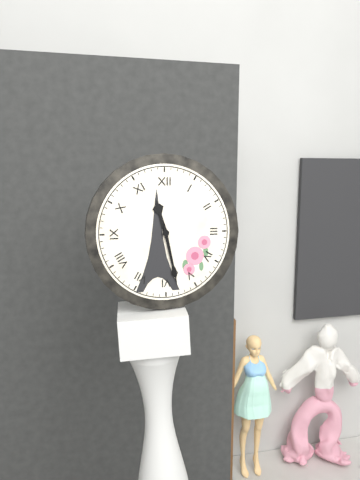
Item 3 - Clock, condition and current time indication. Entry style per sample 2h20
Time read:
11h28
